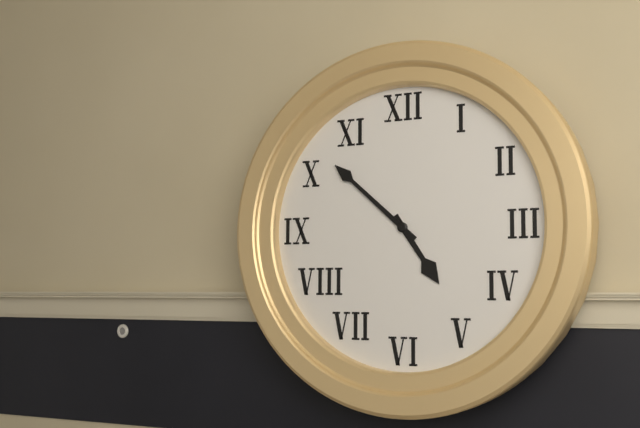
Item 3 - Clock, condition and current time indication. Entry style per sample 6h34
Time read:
4h52
